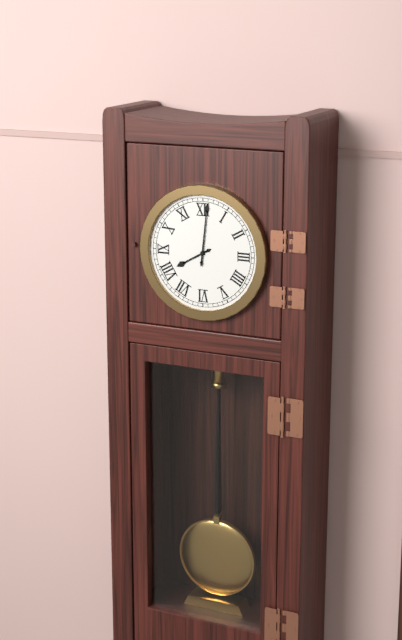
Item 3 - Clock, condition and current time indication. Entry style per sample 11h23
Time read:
8h01
